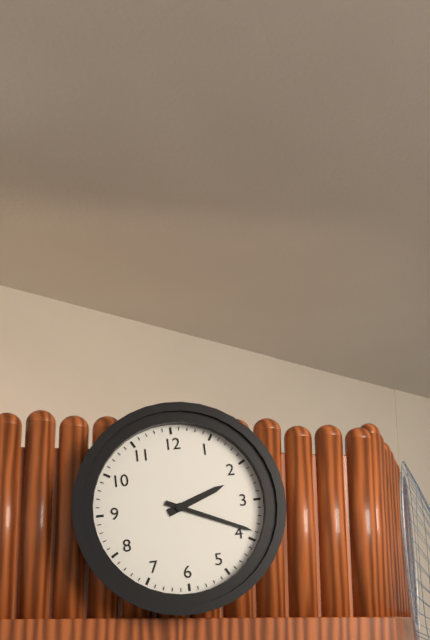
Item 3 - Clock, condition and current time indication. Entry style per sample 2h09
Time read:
2h19
